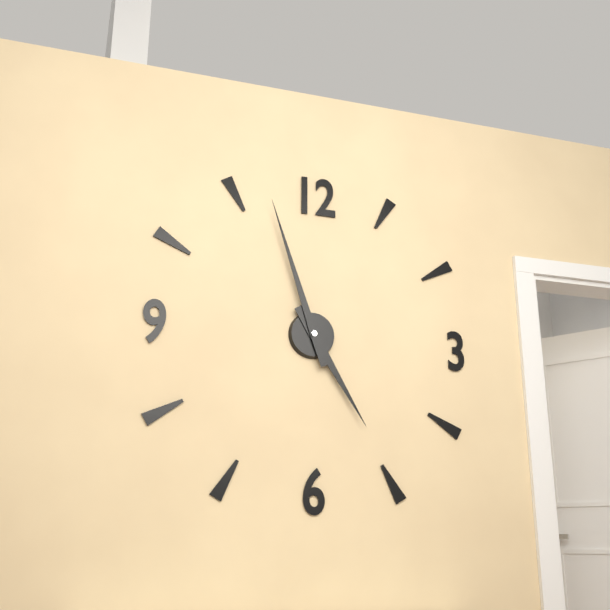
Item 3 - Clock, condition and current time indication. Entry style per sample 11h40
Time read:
4h57
